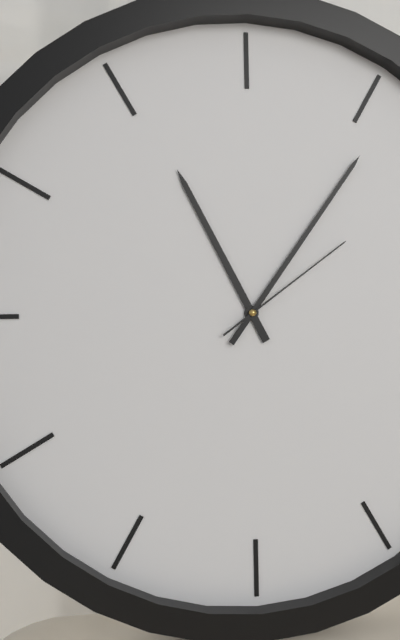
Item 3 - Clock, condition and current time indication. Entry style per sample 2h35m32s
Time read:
11h06m09s
